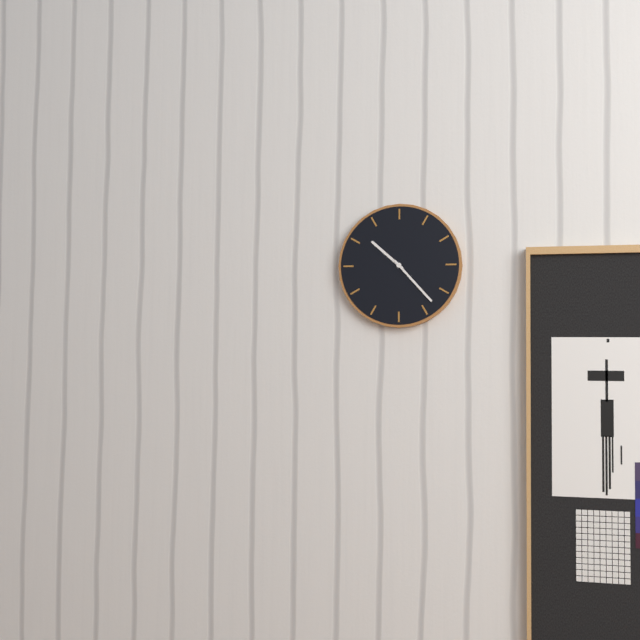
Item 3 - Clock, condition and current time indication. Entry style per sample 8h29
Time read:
10h23
